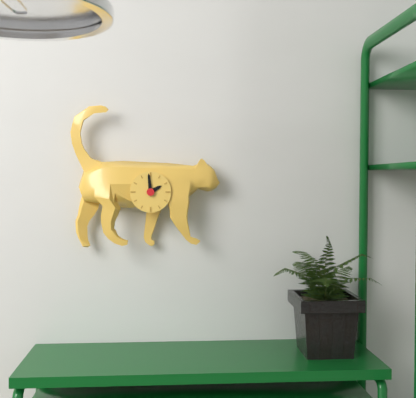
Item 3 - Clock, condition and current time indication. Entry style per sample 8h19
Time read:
1h59
